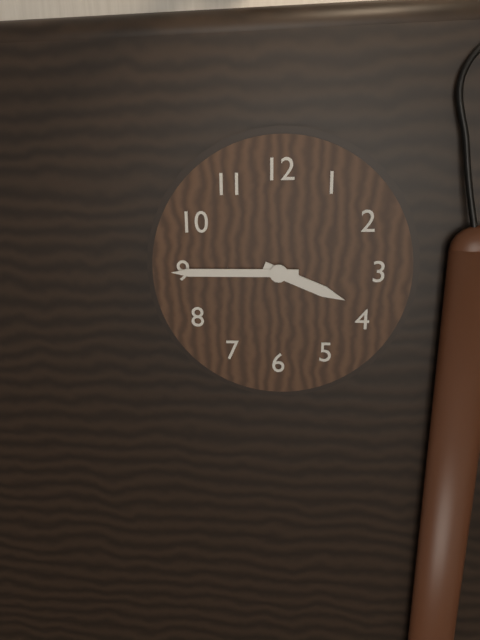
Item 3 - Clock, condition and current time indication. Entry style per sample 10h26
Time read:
3h45
